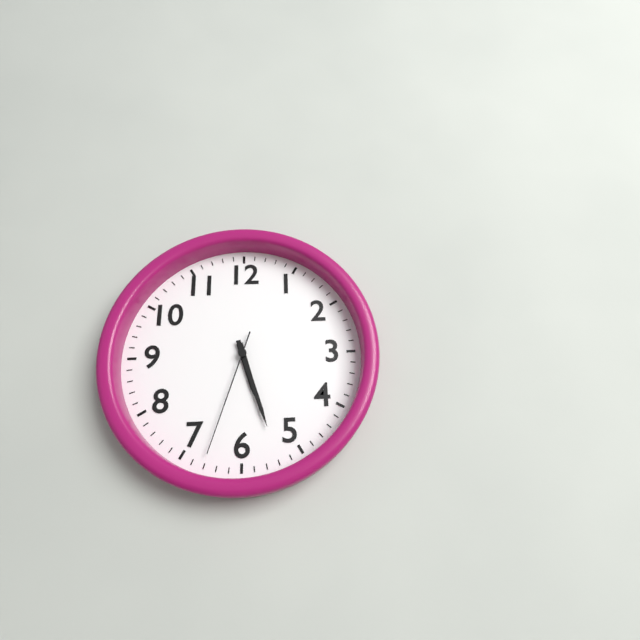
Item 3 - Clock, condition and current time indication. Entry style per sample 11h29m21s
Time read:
5h27m33s
